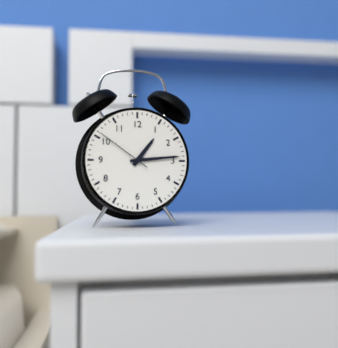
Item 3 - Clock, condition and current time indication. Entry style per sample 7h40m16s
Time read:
1h14m51s
